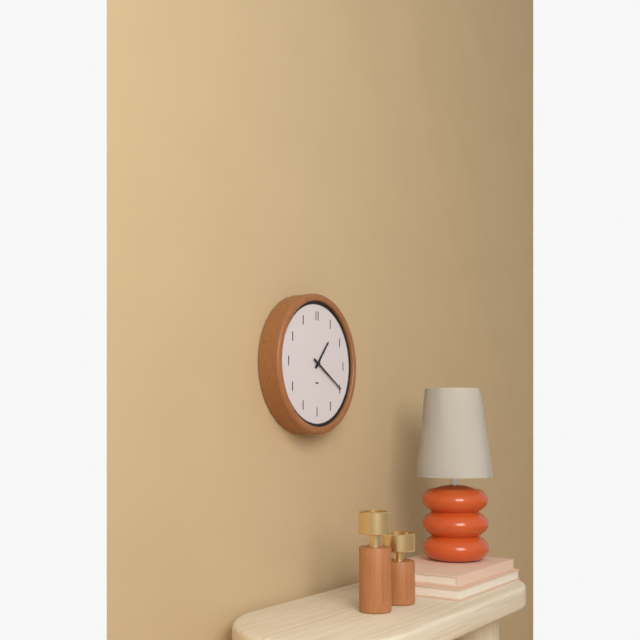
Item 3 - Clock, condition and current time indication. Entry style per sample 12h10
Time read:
1h20
